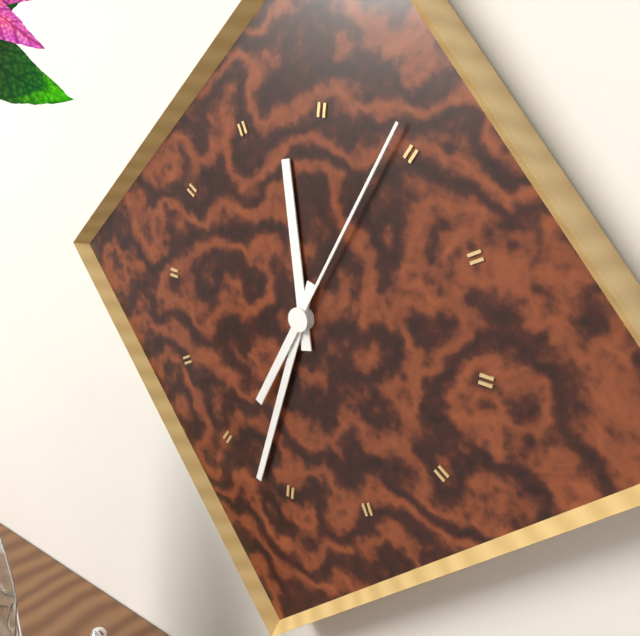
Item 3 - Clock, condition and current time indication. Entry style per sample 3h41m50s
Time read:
11h32m04s
